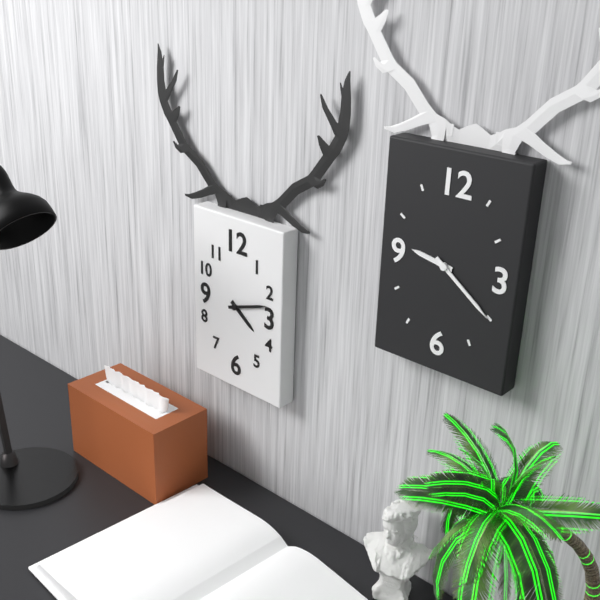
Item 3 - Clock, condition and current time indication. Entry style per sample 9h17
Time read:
4h12
